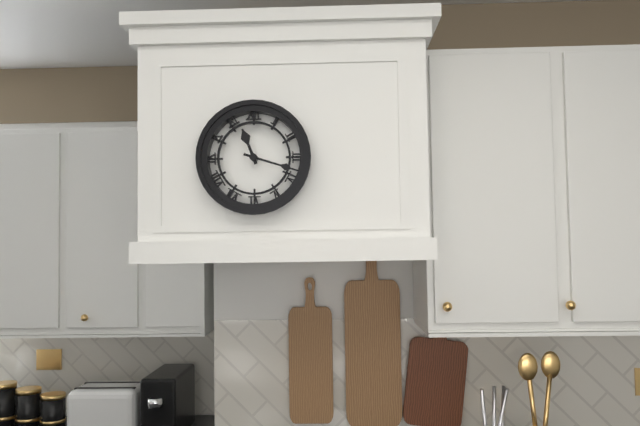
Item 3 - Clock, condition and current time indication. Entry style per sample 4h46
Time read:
11h18
